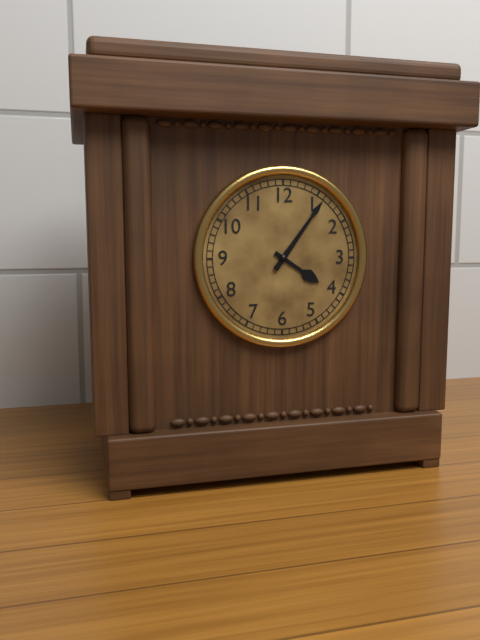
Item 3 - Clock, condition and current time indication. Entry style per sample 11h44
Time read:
4h06
